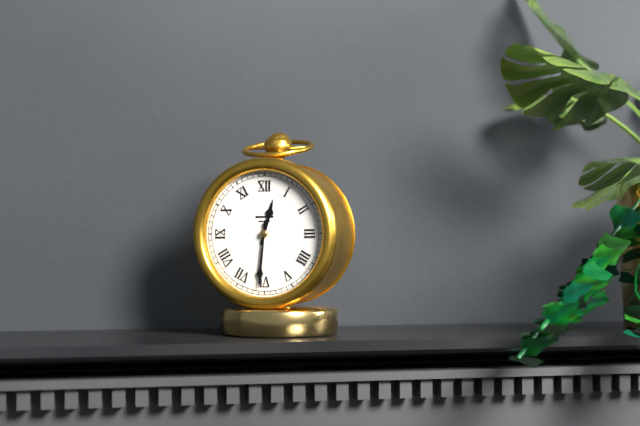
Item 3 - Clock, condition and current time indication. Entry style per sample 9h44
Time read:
12h31
